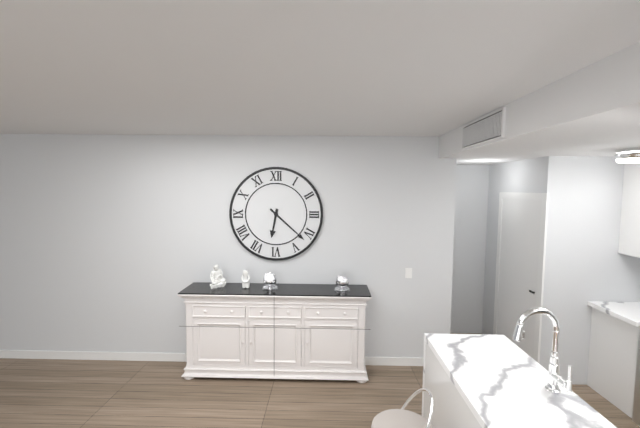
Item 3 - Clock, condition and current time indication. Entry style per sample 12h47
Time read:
6h22
